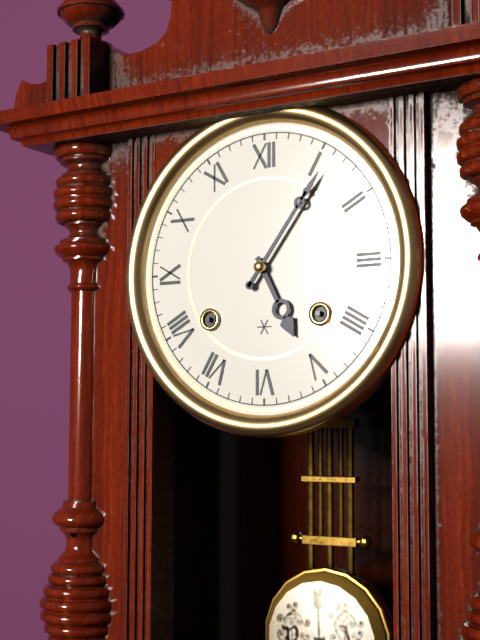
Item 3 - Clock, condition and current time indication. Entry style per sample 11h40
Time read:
5h06
